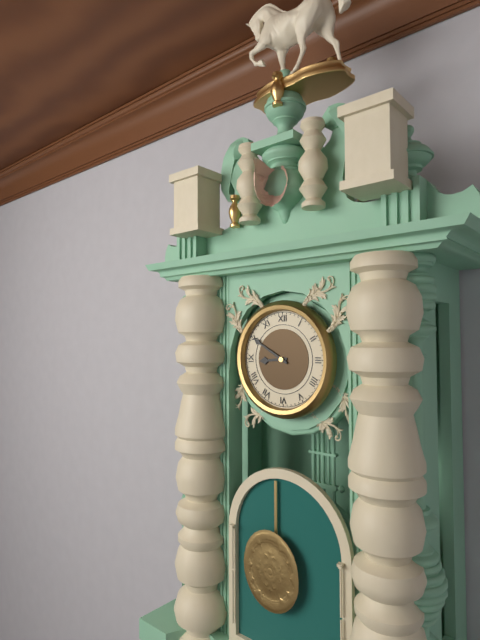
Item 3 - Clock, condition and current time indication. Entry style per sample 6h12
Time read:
8h50
